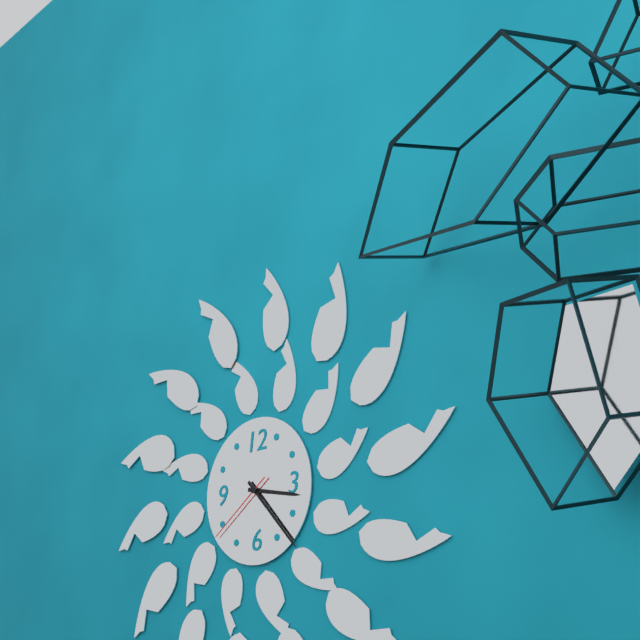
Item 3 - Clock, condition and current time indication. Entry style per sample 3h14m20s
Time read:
3h23m39s
